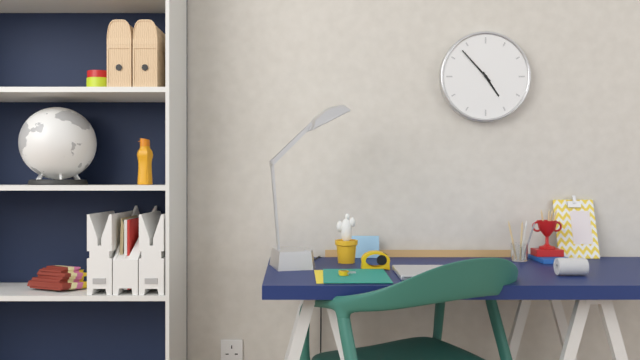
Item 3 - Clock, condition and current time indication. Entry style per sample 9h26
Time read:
4h53
